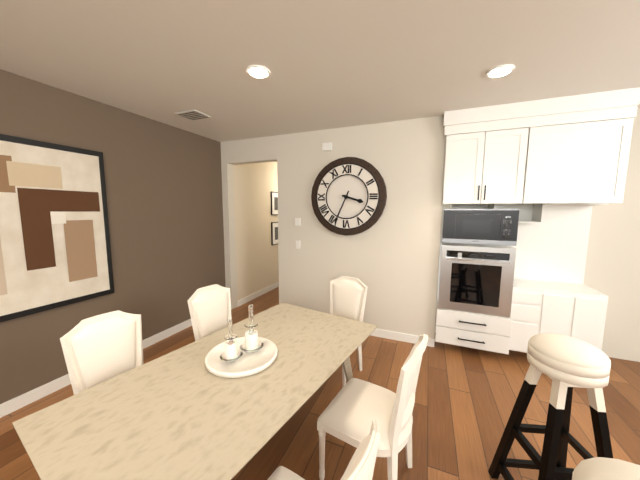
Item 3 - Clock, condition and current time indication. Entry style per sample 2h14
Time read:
3h34
